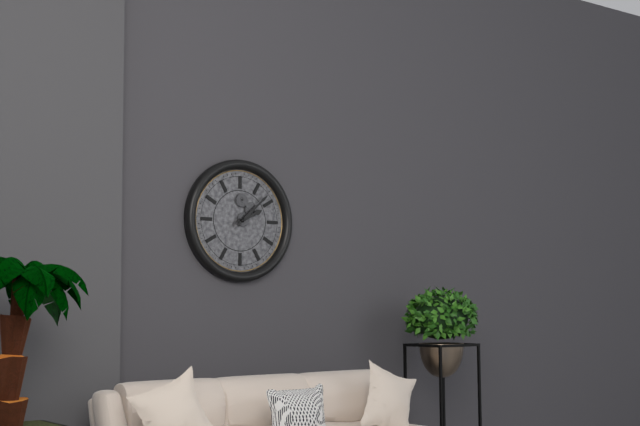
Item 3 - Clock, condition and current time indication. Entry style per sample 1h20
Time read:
2h08
